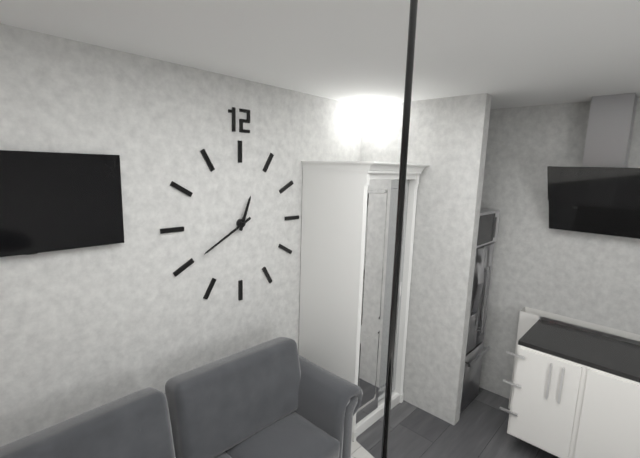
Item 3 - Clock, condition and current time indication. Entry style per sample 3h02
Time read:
12h40
